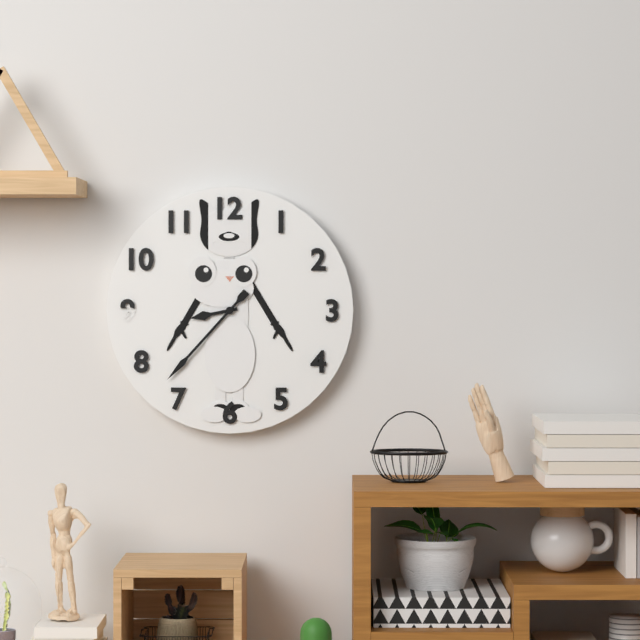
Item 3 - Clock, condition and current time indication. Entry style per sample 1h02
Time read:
8h37
